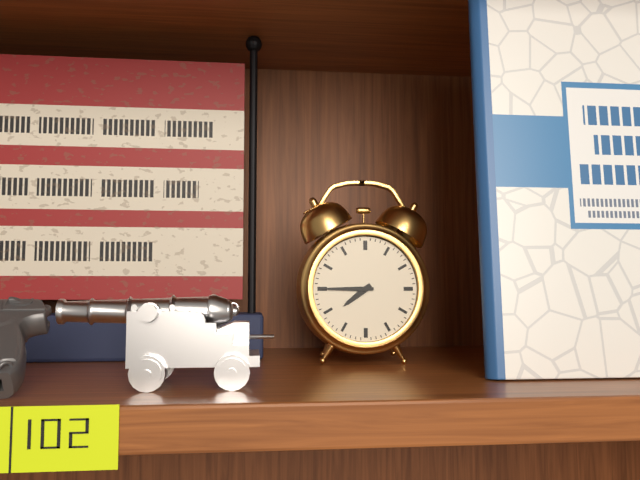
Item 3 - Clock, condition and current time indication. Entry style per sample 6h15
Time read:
7h45
